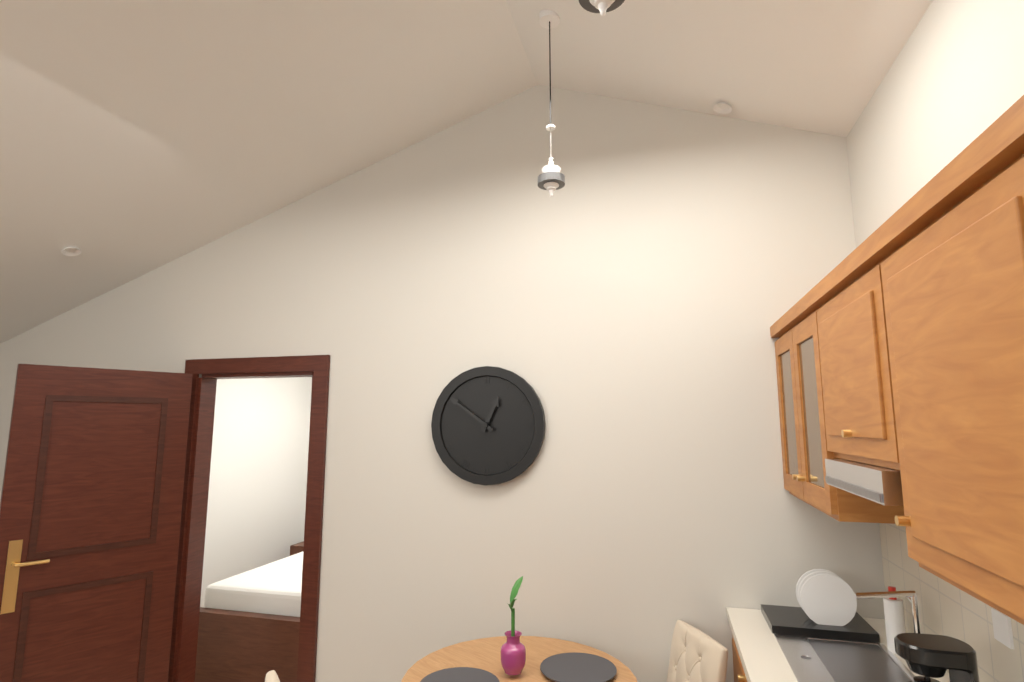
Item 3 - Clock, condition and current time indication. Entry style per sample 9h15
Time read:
12h51
